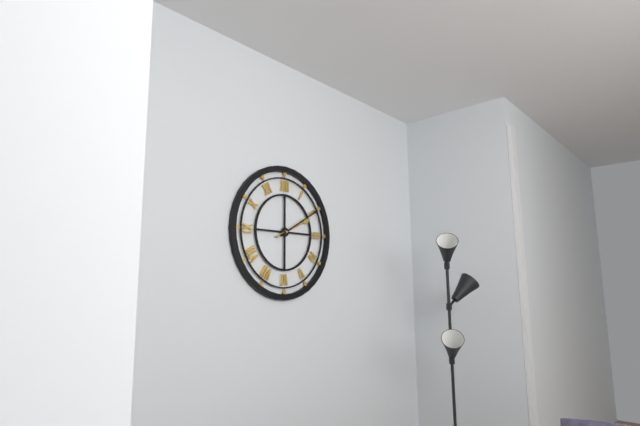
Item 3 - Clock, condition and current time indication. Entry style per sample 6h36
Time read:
2h10
